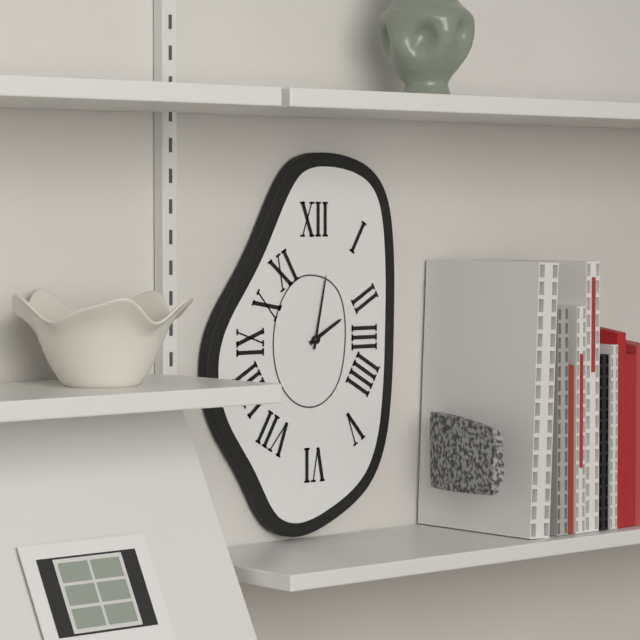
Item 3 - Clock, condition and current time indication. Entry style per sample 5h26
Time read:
2h02
